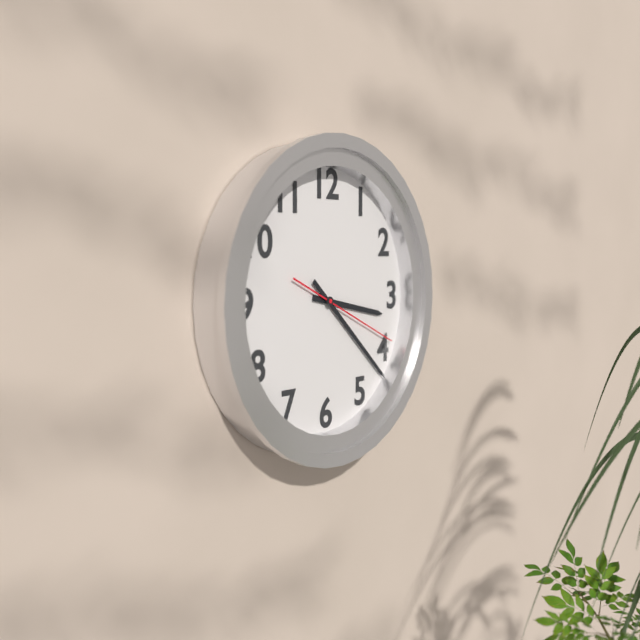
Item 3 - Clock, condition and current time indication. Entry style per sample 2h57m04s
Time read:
3h22m19s
